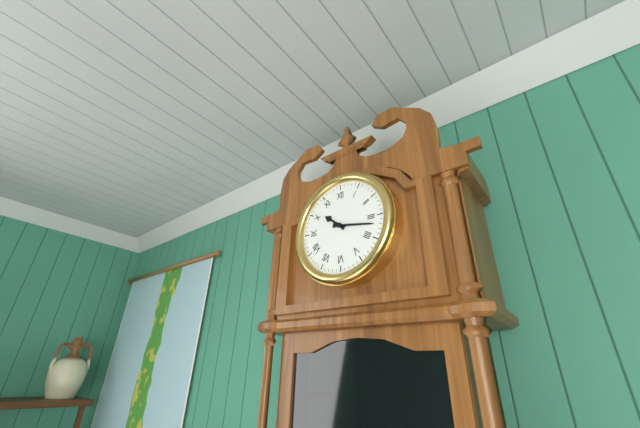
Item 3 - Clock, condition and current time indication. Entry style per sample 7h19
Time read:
10h17
